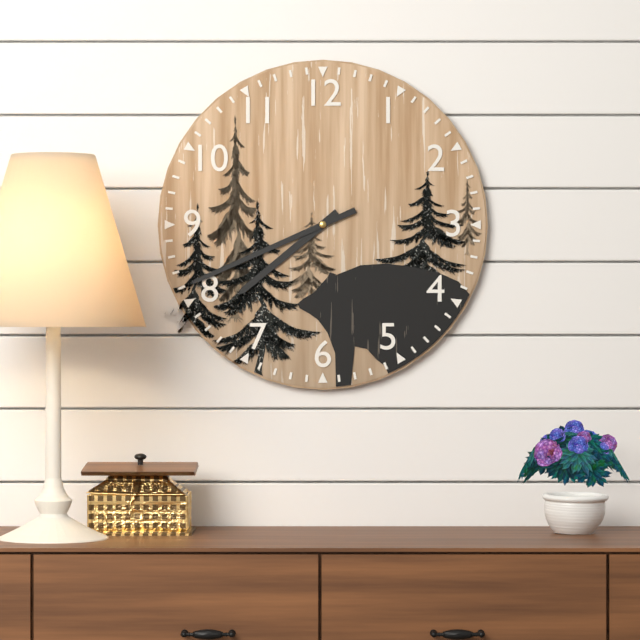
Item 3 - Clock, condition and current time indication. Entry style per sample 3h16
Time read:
7h41
